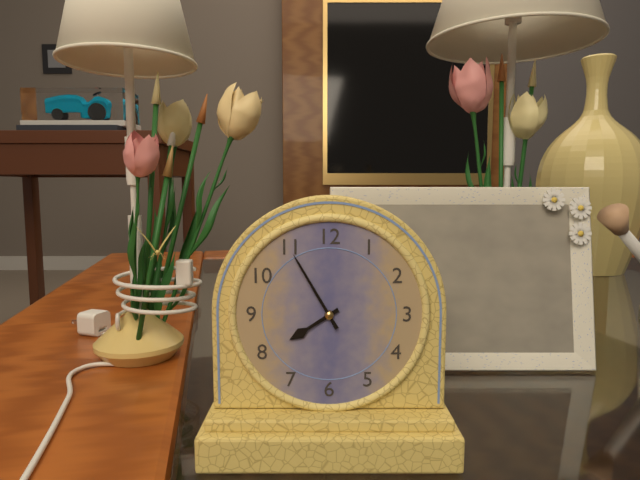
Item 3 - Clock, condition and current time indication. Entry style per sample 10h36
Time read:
7h55
